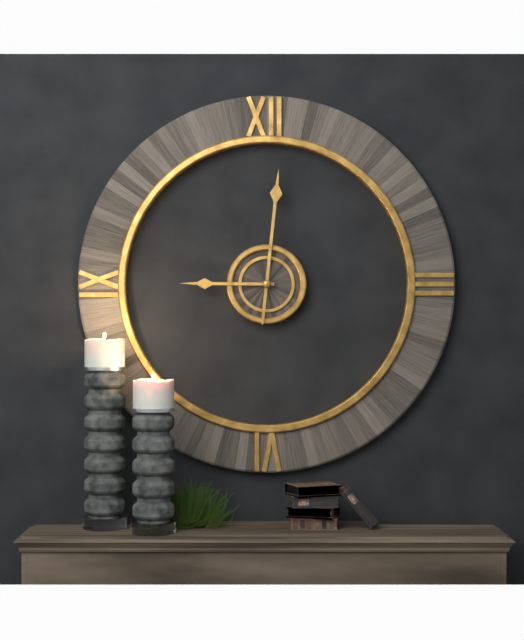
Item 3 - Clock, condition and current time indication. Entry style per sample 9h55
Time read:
9h01
